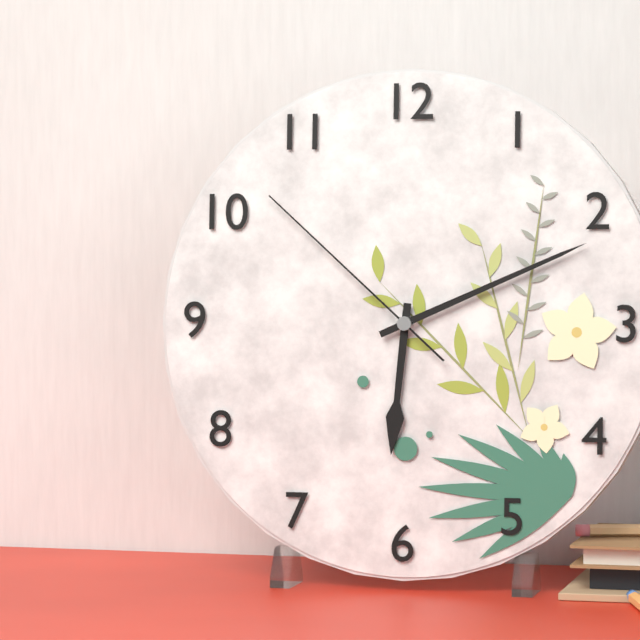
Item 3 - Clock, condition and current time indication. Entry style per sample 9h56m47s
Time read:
6h11m52s
